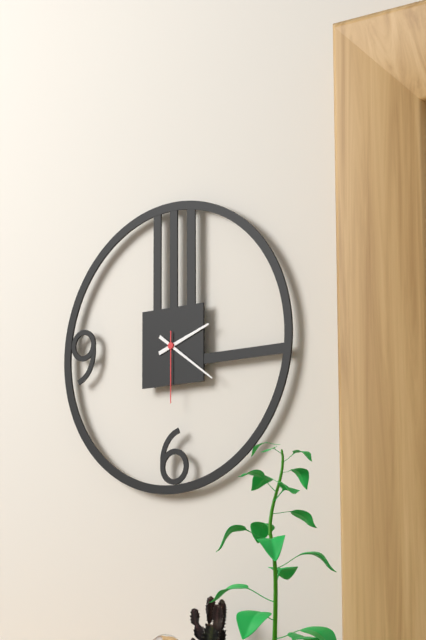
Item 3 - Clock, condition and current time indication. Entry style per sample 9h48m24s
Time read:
2h21m30s
